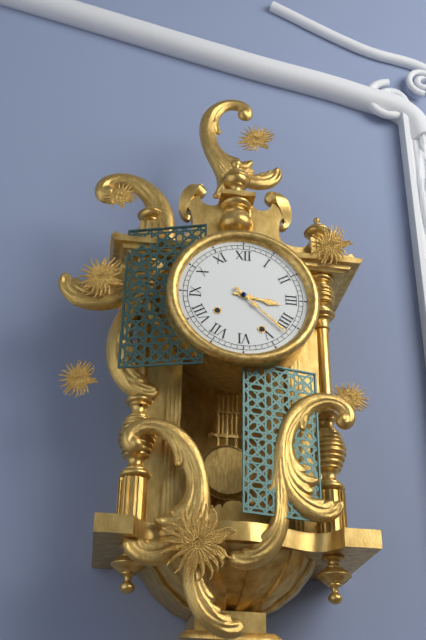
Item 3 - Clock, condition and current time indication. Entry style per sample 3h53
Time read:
3h22
